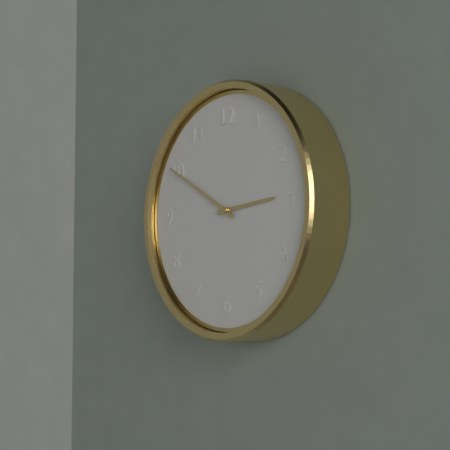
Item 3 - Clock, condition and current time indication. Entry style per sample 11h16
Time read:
2h50
